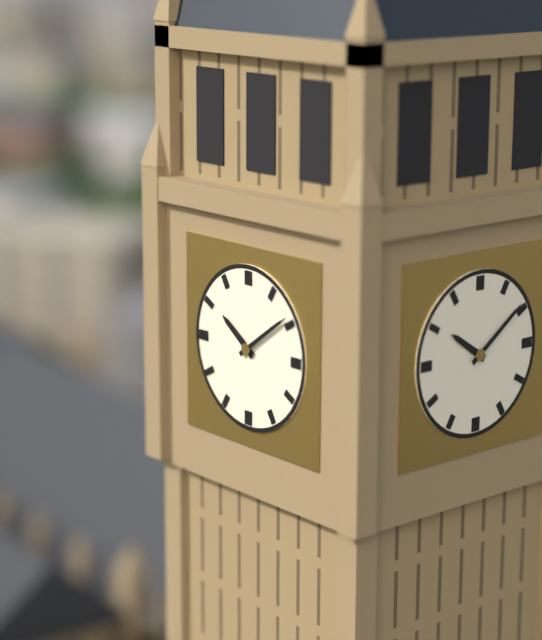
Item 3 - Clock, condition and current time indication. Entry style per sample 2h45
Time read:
10h09
